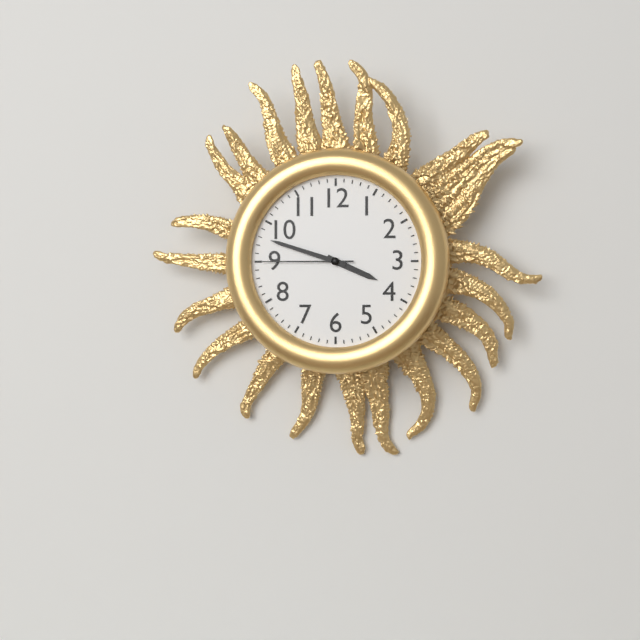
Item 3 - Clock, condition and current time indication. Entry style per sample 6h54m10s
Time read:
3h48m45s
